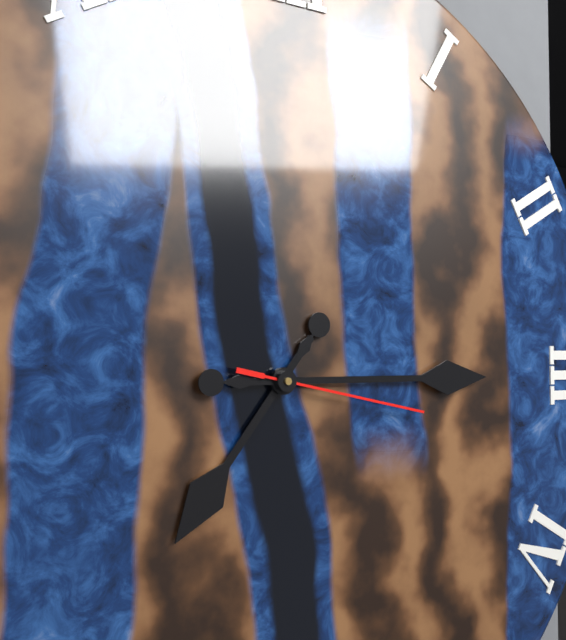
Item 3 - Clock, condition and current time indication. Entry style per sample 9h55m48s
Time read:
7h15m17s
